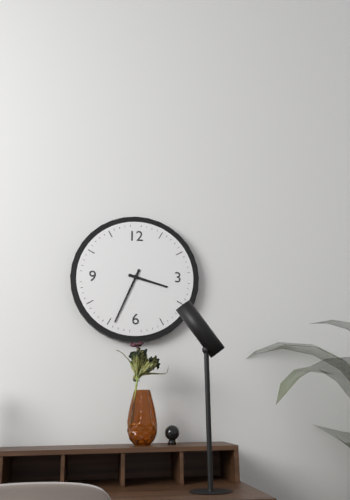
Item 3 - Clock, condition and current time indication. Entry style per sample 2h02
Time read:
3h34
